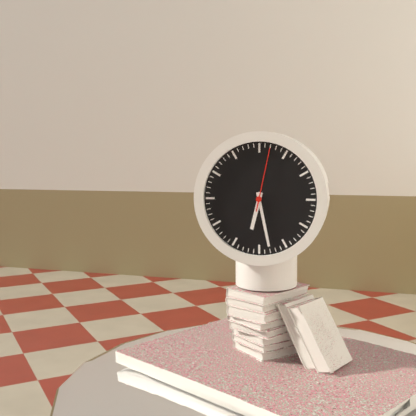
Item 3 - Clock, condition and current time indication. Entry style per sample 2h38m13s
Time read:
6h28m02s
